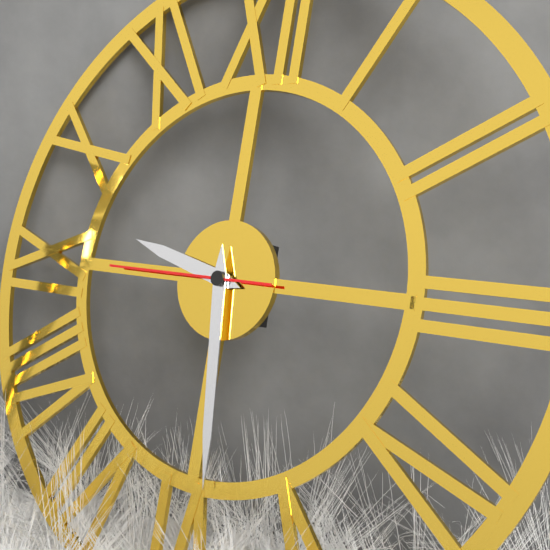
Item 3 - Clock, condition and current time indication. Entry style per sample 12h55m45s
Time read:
9h29m45s
